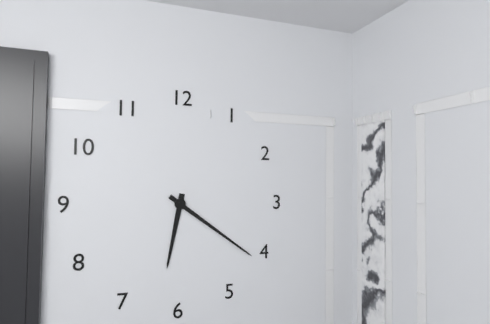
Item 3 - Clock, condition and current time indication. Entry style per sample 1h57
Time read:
6h21
